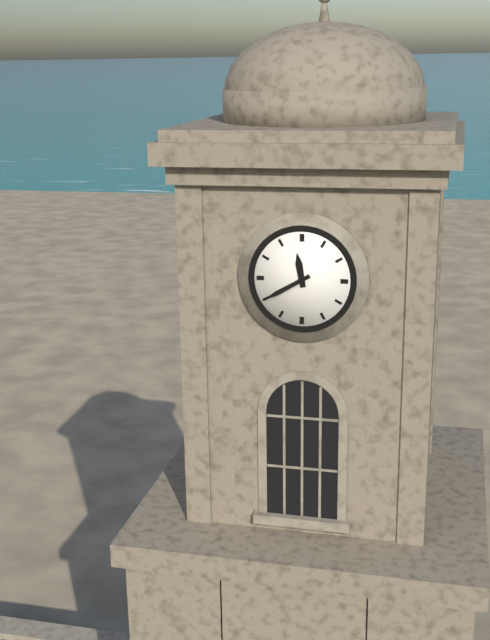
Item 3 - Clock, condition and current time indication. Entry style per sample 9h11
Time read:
11h40
